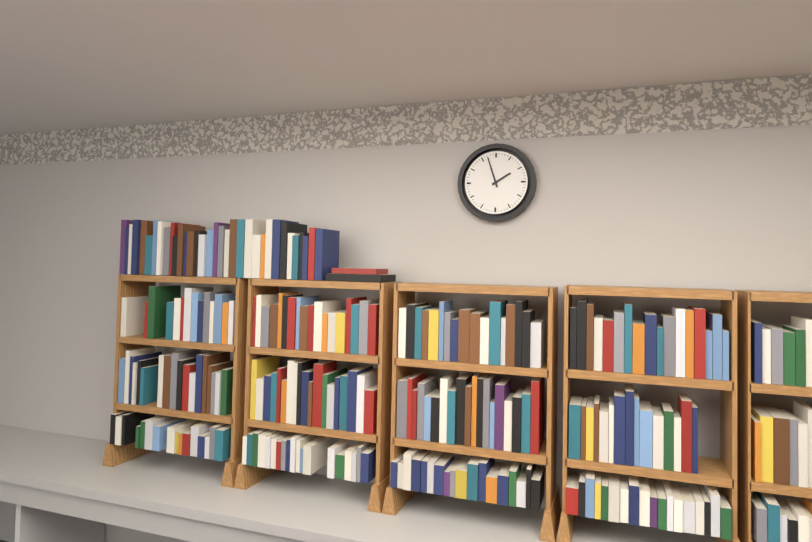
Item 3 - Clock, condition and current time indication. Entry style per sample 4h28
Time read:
1h57
